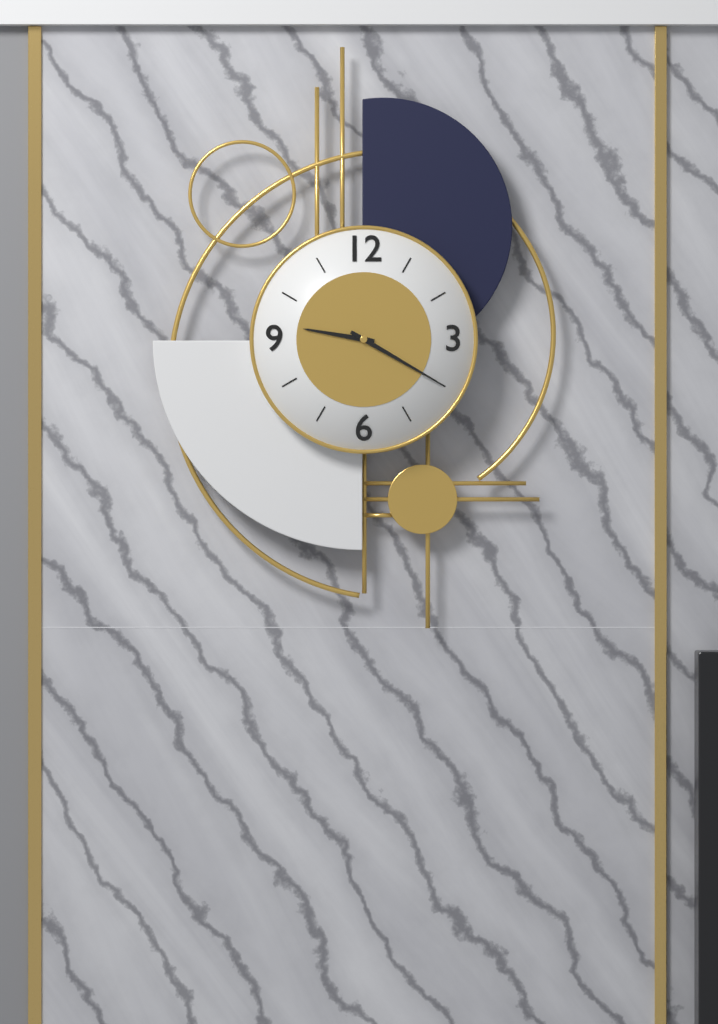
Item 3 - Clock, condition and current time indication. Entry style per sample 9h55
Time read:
9h20
